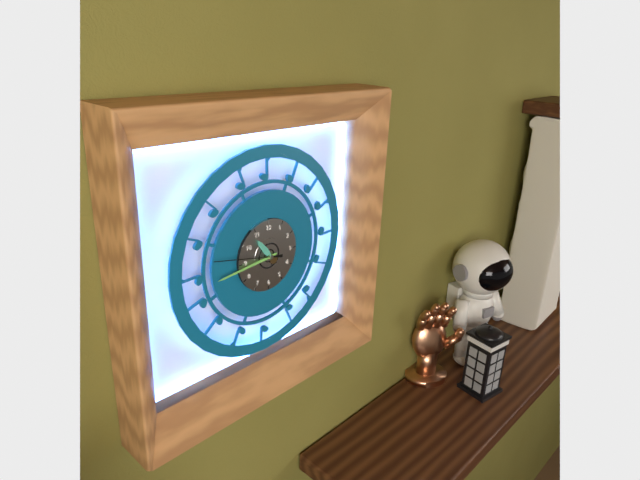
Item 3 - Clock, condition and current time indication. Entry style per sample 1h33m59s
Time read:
10h44m47s
